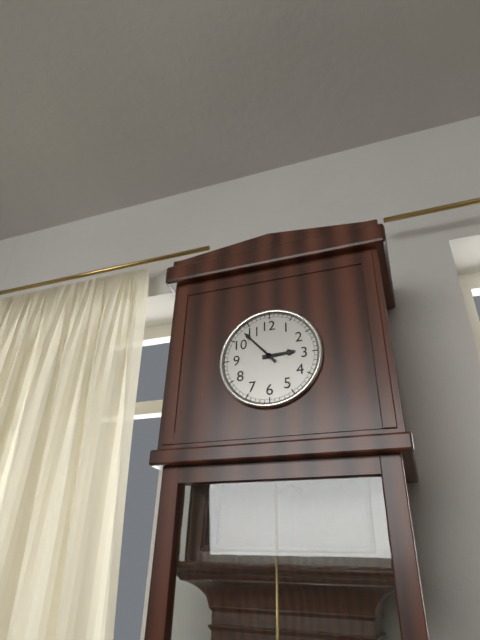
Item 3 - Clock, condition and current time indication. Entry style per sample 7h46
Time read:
2h53
